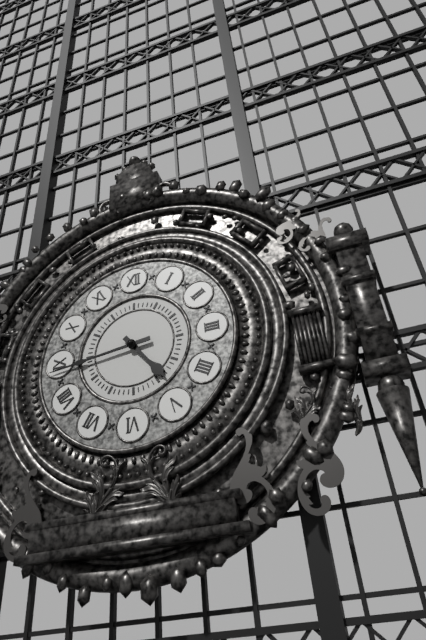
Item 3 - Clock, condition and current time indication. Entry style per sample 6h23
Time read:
4h44
